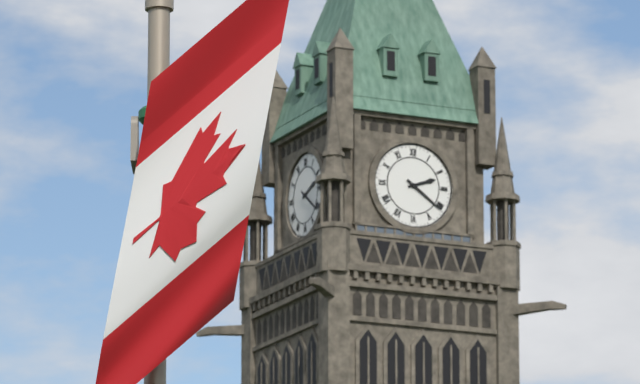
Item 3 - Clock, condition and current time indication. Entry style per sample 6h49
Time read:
2h21
